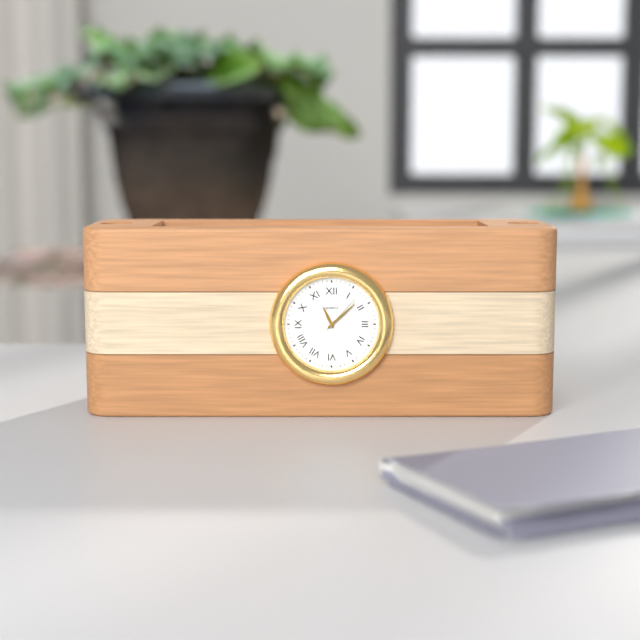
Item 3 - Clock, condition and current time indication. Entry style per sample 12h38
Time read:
11h08
